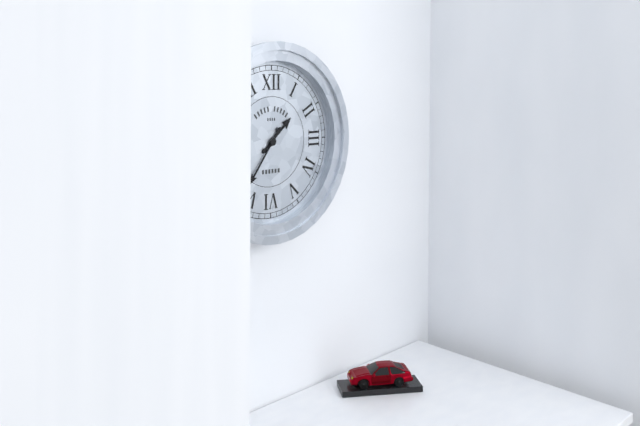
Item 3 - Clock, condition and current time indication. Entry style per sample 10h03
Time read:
1h36
